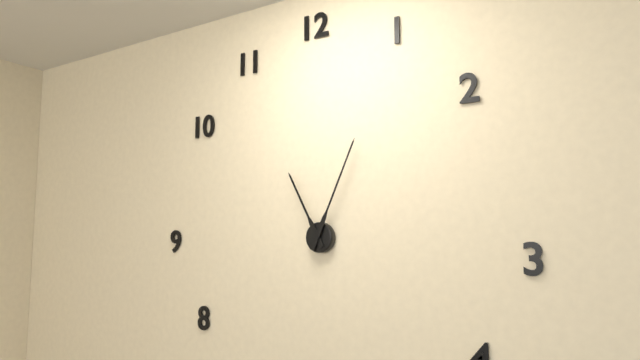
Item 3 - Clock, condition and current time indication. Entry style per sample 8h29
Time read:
11h04
